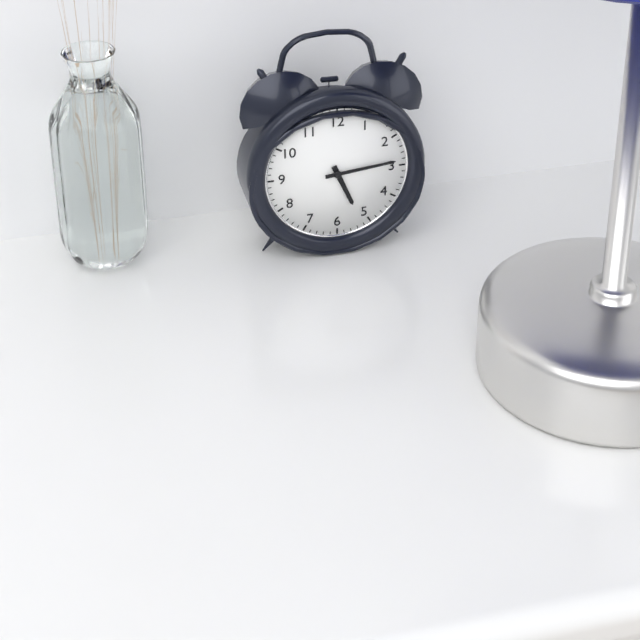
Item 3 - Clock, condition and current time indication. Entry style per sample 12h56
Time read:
5h14
